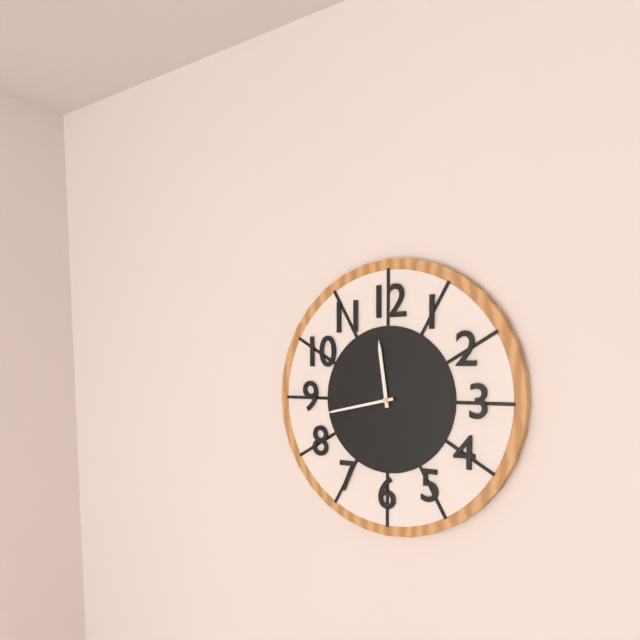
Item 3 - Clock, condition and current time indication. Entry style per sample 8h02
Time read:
11h43
